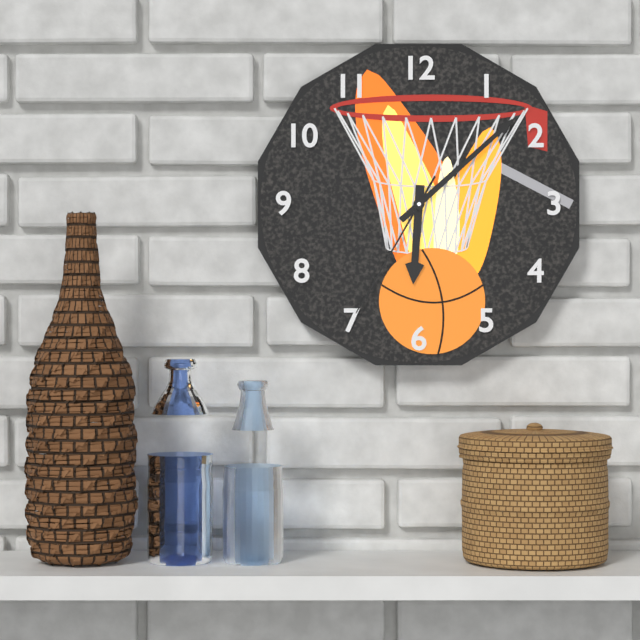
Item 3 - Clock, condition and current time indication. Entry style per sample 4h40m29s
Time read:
6h08m35s
